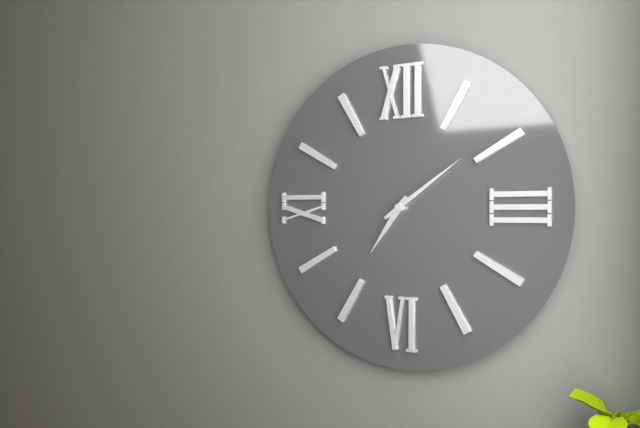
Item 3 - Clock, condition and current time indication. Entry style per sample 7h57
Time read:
7h09
